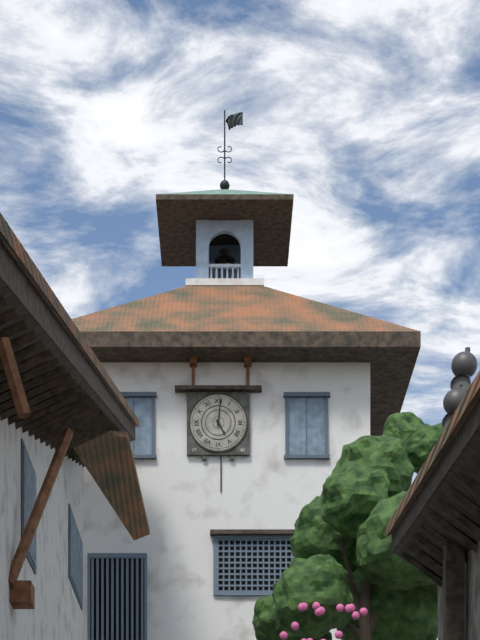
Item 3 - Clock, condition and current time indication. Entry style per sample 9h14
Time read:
5h01
